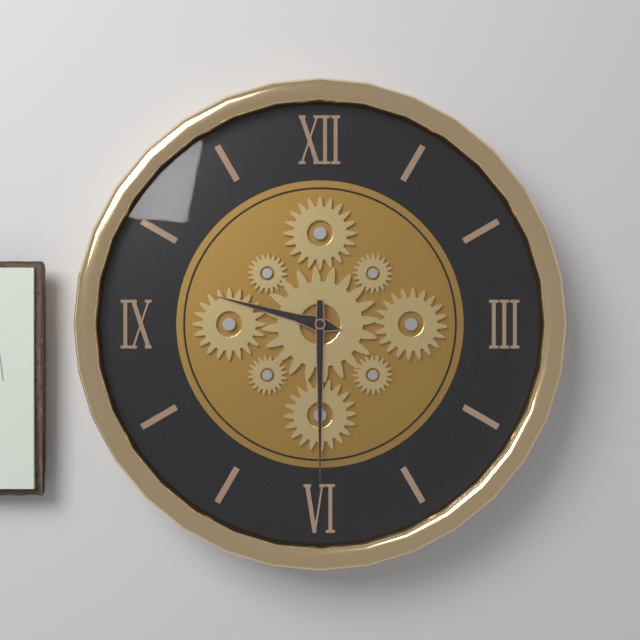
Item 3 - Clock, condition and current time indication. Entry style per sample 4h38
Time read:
9h30
